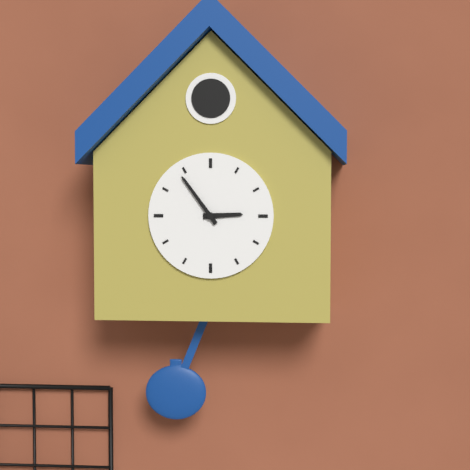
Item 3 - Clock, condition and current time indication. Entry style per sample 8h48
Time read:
2h54
